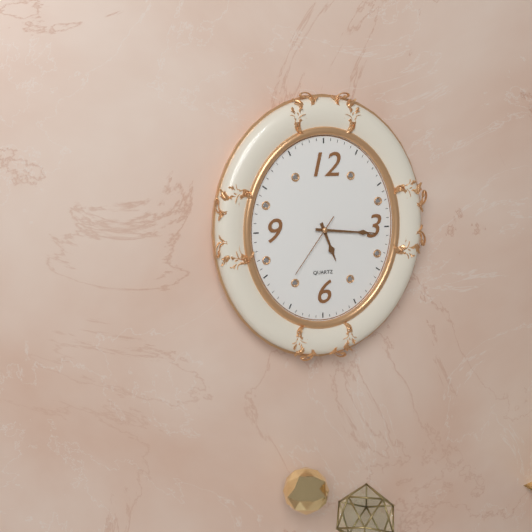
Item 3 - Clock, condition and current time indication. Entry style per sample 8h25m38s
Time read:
5h16m36s
